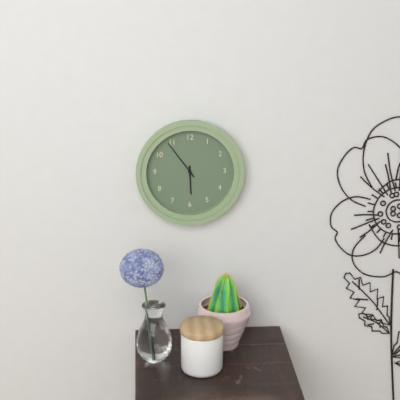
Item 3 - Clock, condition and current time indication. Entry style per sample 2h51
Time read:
5h54
